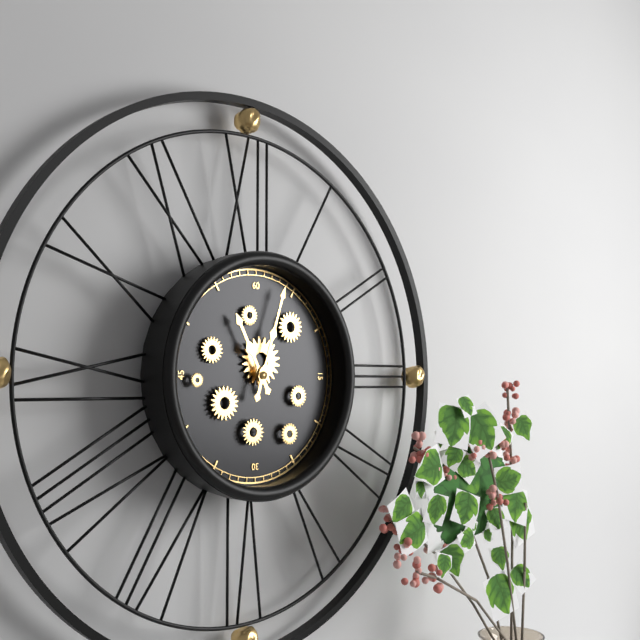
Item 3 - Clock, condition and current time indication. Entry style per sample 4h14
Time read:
11h03
